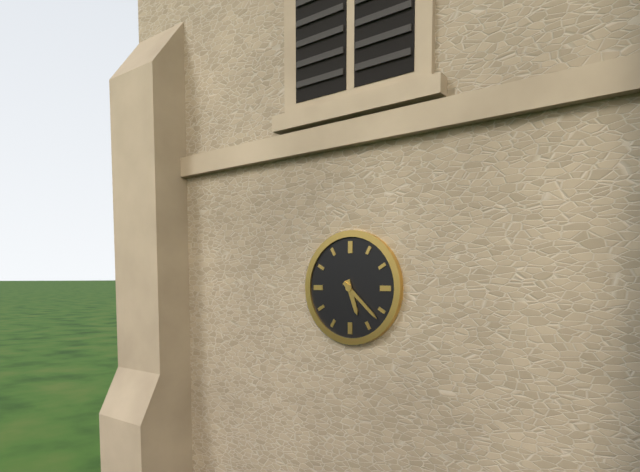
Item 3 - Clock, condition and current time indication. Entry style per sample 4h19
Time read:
5h22
